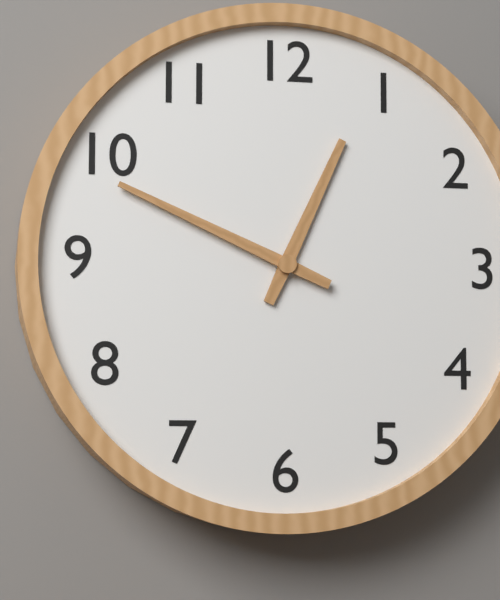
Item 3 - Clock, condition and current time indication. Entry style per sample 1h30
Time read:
12h49
